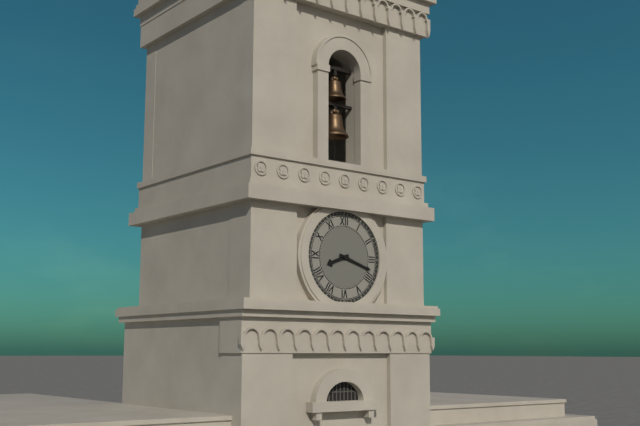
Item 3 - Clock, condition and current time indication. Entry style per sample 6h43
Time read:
8h18
